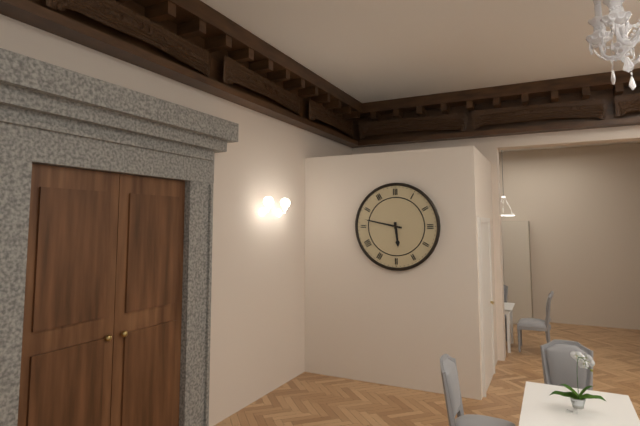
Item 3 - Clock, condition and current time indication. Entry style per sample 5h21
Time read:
5h47
